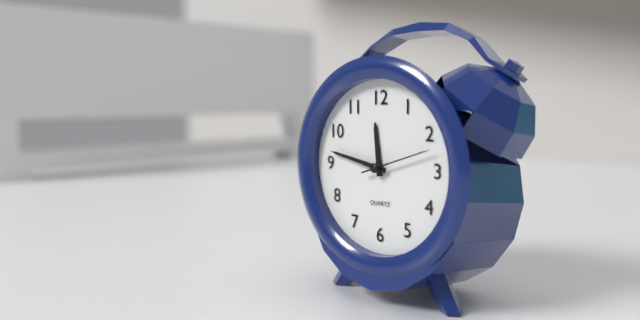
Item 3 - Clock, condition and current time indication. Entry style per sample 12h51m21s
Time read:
11h47m12s
